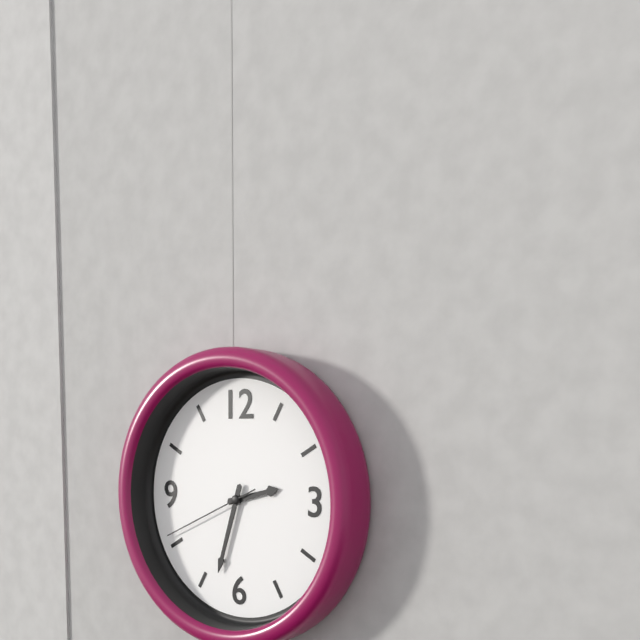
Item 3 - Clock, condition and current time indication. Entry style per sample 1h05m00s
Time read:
2h33m41s
